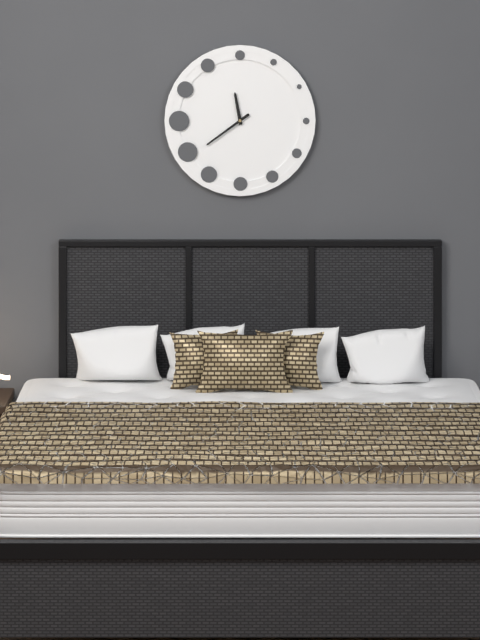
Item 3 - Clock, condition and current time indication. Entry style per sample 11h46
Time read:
11h39
